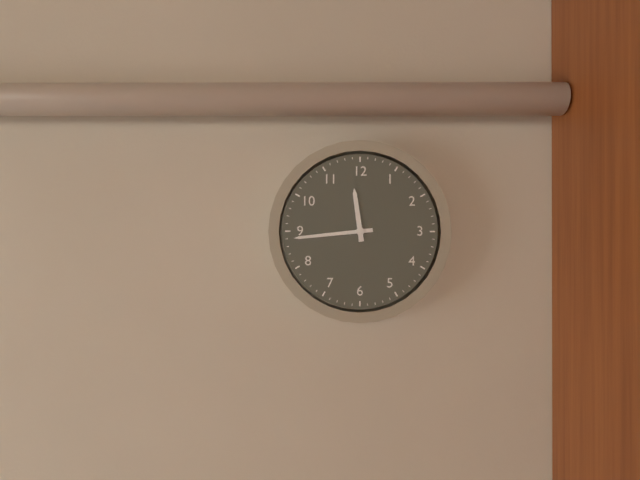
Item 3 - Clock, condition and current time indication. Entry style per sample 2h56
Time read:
11h44
